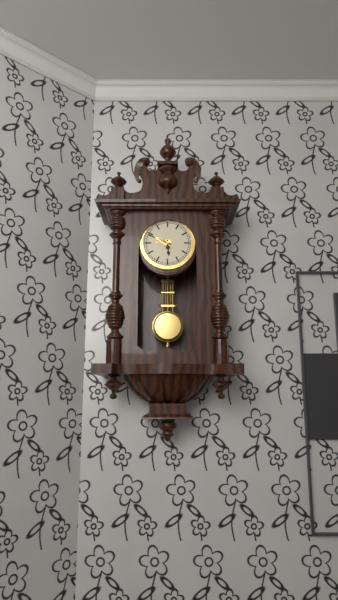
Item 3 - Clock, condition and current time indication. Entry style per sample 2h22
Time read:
5h49
